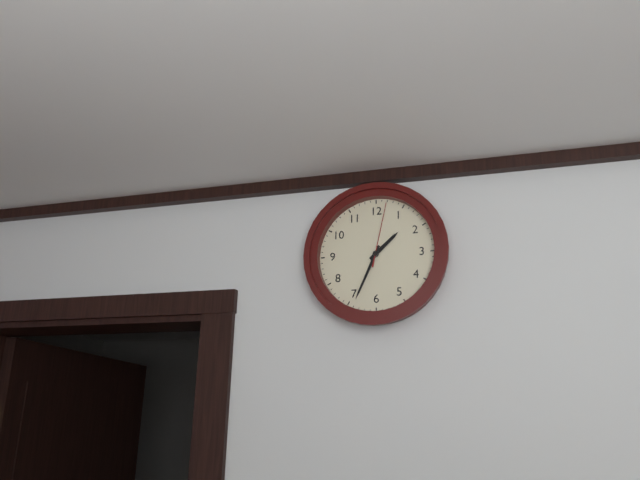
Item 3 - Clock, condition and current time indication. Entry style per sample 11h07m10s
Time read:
1h34m02s
